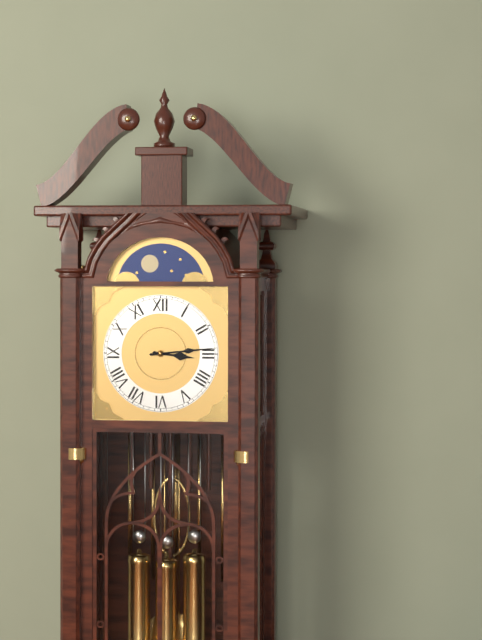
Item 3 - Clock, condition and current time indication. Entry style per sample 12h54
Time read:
3h14
